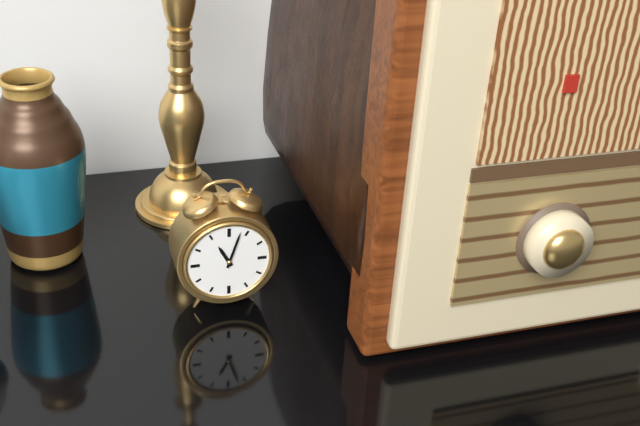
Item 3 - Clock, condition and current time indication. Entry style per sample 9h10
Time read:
11h03
